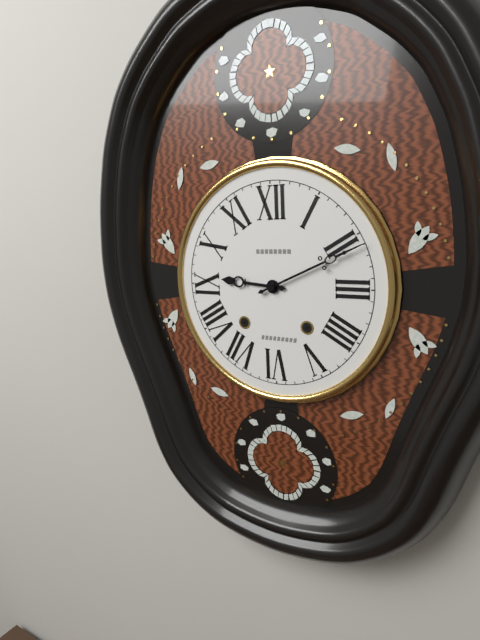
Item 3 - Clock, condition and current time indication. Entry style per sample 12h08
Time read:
9h11
